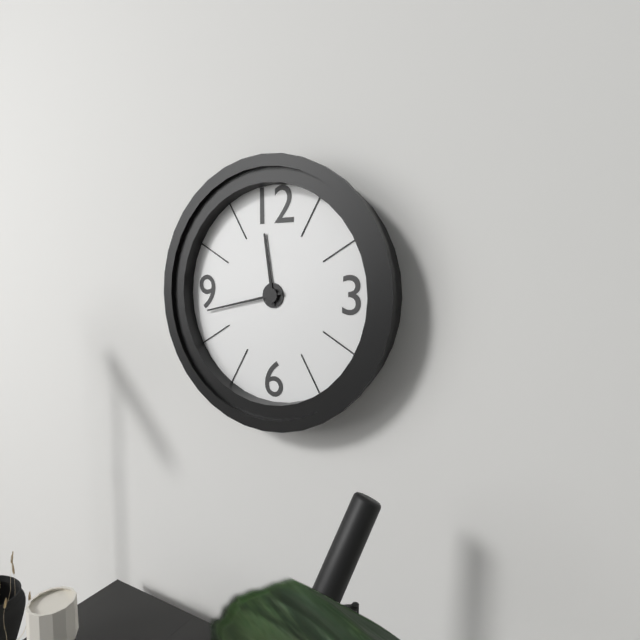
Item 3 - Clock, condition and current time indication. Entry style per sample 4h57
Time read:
11h43
